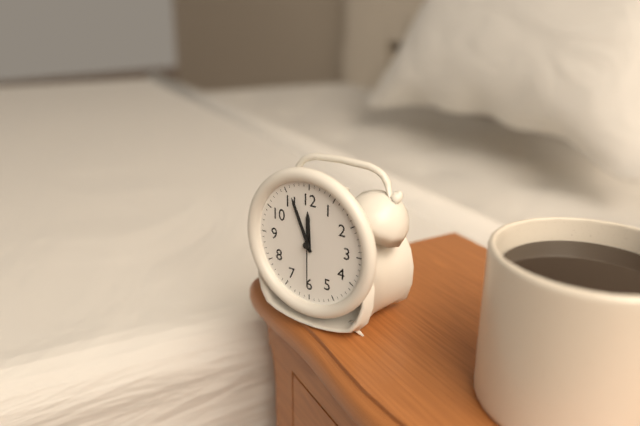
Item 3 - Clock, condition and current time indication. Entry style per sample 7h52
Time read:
11h56
